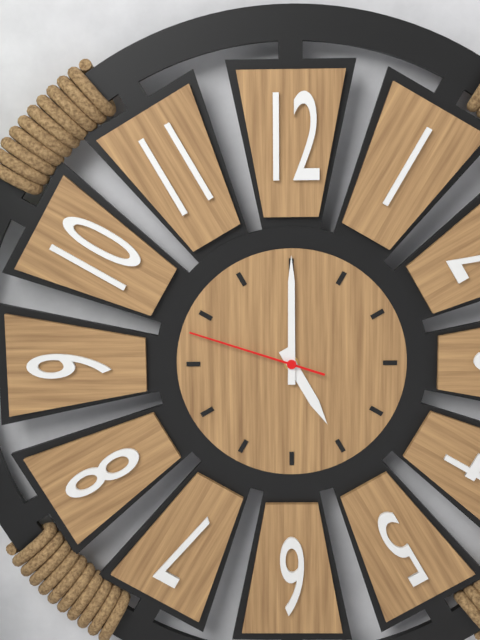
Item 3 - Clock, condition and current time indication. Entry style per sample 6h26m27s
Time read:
5h00m48s
